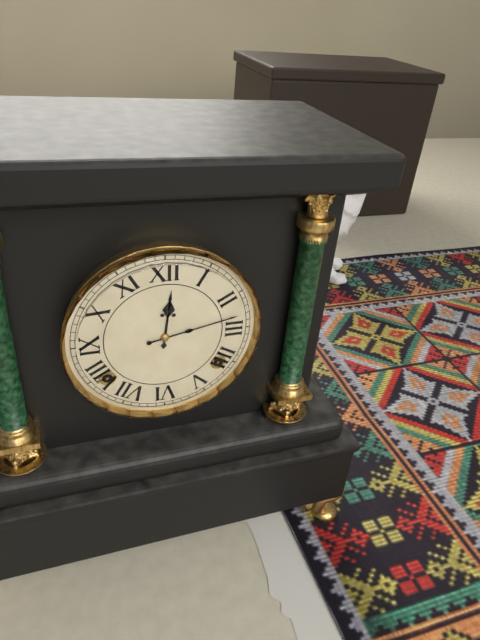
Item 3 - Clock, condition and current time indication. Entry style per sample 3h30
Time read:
12h13
